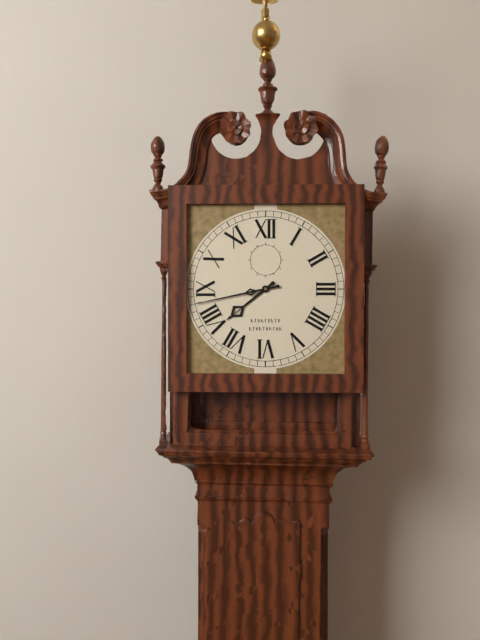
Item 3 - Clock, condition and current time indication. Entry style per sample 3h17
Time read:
7h43
